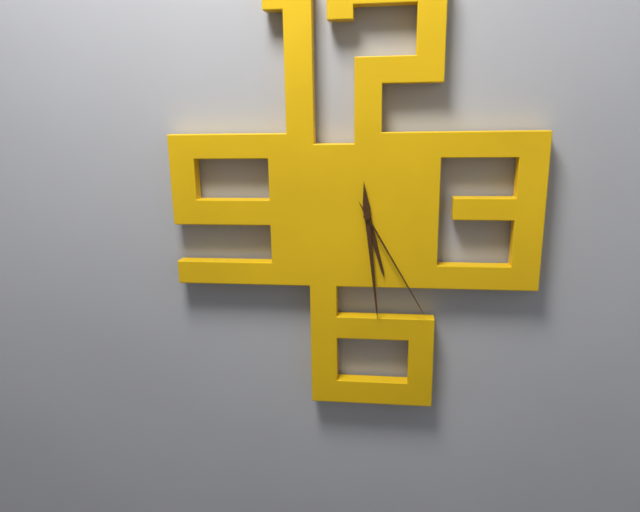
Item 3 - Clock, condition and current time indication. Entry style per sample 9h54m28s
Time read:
5h29m25s
